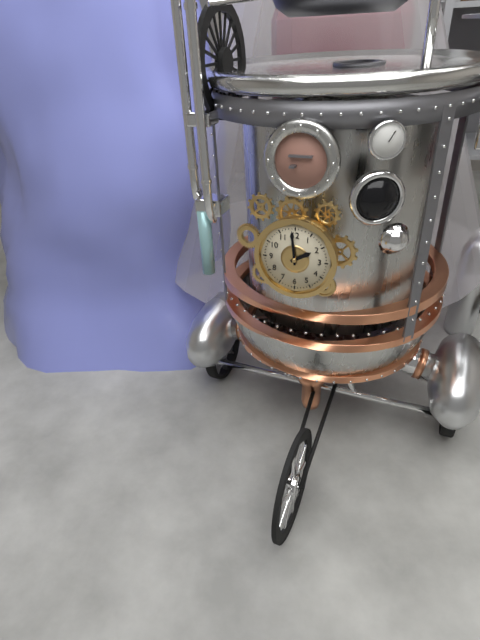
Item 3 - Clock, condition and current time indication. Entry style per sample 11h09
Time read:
1h59
